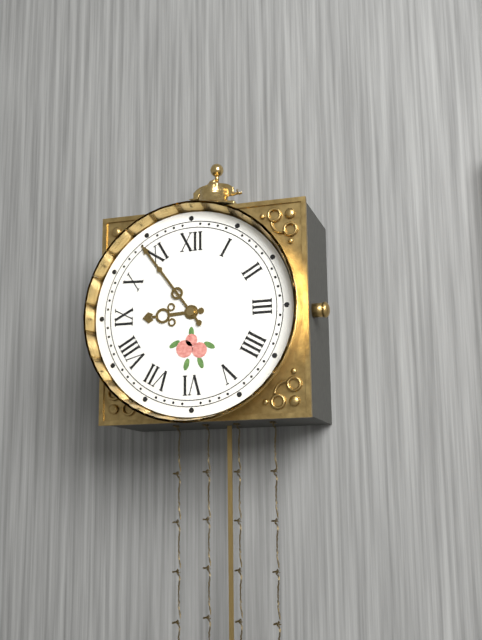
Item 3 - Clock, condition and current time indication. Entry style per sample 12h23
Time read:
8h54
